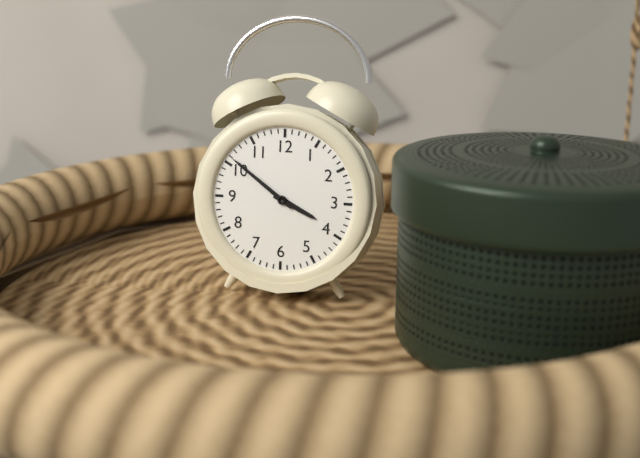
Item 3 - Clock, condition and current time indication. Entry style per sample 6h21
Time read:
3h51
